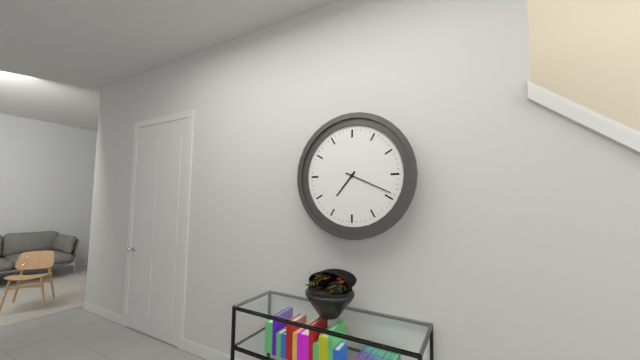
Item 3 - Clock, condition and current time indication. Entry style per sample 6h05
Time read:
7h19
